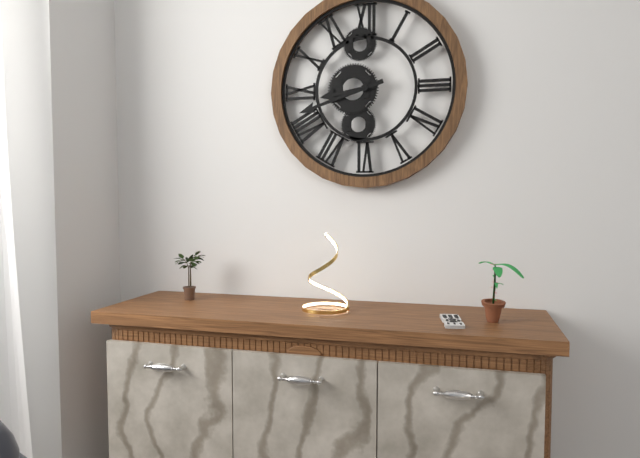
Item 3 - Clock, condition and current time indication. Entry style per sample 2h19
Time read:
8h42
